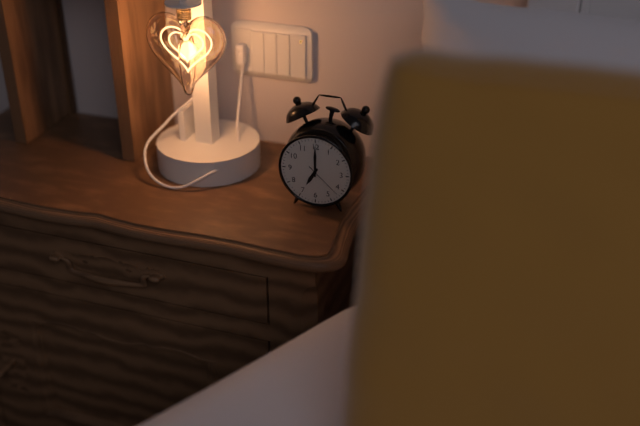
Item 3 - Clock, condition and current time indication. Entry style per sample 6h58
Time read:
7h00
